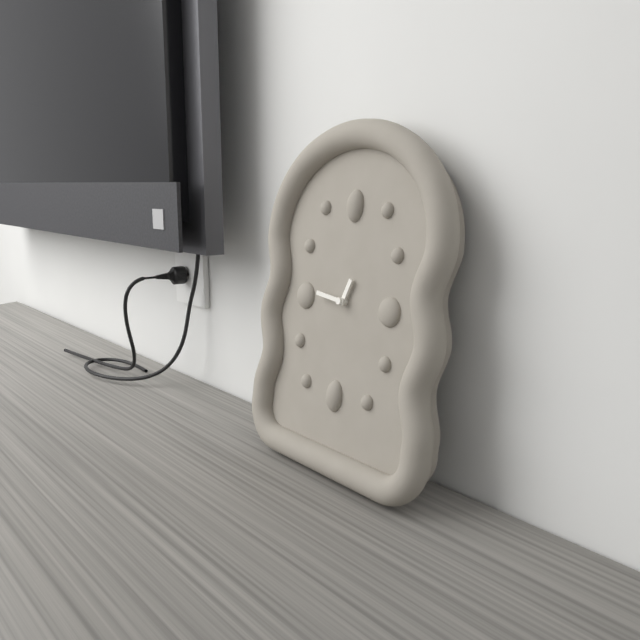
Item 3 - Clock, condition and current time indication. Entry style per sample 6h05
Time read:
12h46
